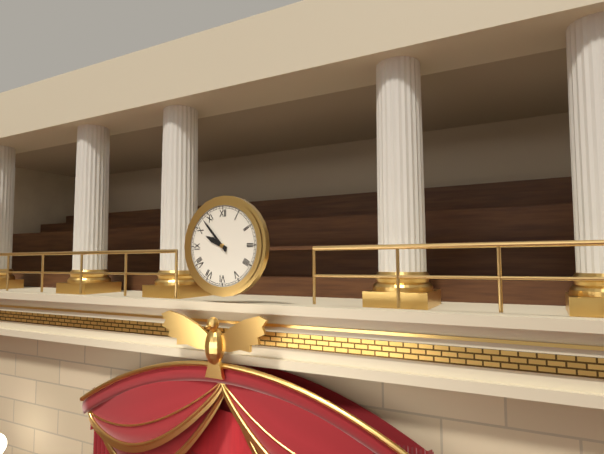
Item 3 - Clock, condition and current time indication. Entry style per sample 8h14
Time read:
9h53
